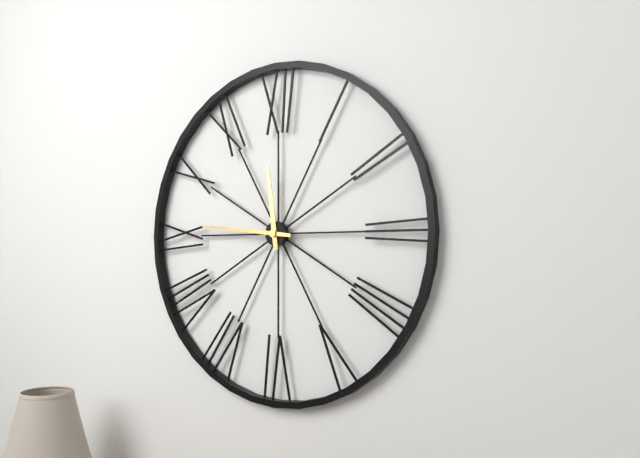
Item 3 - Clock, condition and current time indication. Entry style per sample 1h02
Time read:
11h46
